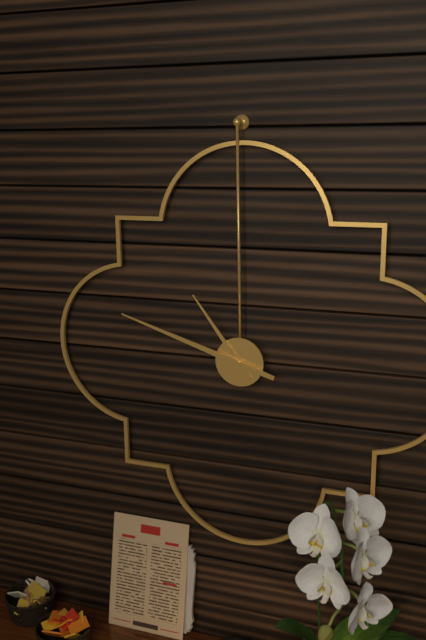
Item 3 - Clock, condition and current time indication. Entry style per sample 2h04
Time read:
10h48
